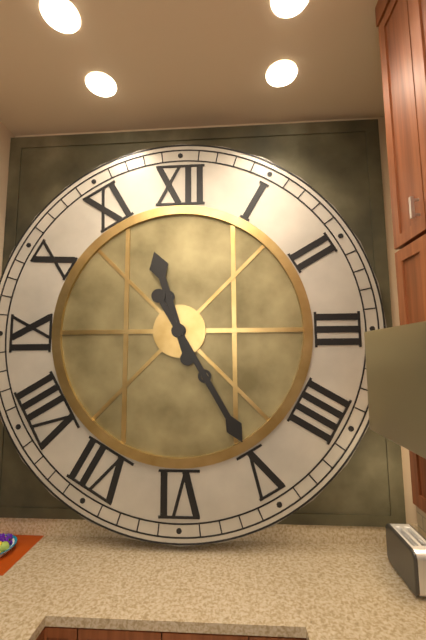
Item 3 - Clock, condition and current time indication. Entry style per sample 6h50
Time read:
11h25
